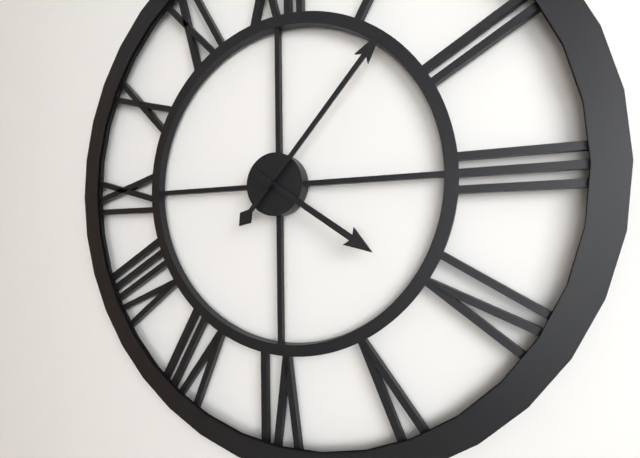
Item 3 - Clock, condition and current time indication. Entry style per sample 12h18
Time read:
4h07
